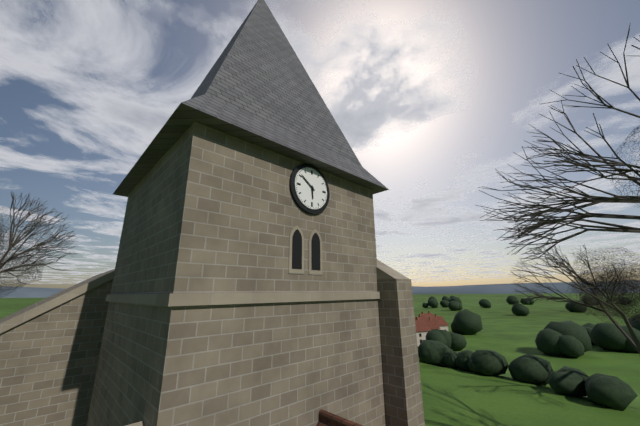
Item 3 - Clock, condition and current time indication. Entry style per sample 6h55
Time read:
5h51
